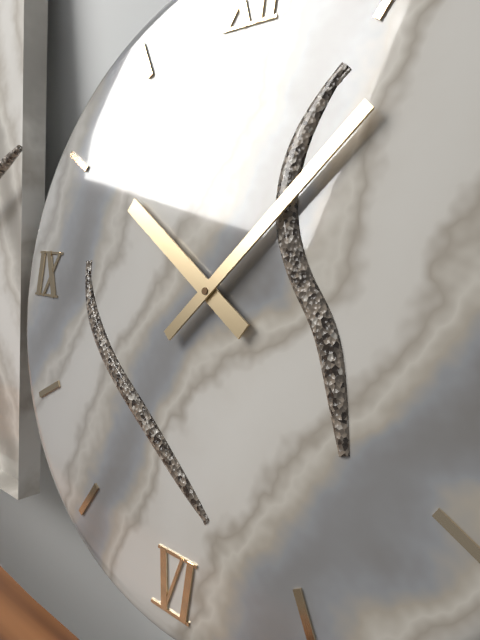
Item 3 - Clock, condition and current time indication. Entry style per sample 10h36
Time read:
10h07
